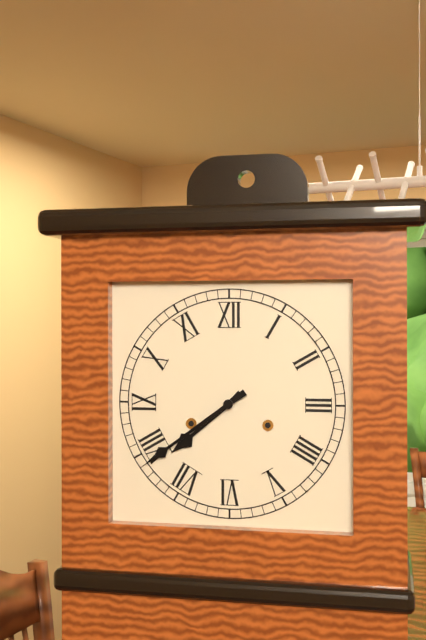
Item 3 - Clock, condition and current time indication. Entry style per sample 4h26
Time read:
7h39
